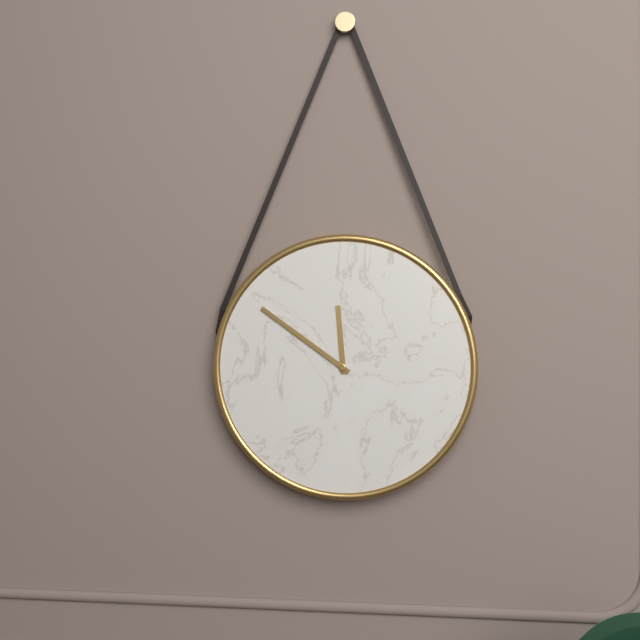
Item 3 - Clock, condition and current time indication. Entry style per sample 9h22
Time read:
11h51
